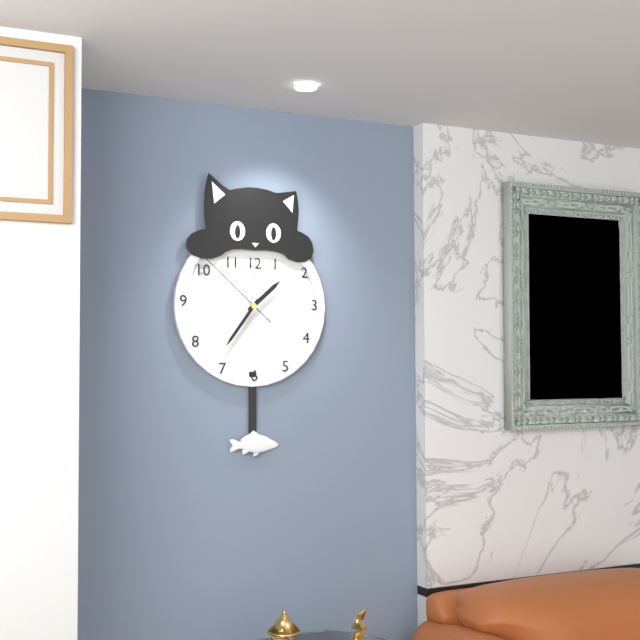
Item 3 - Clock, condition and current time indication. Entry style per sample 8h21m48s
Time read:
1h36m52s
